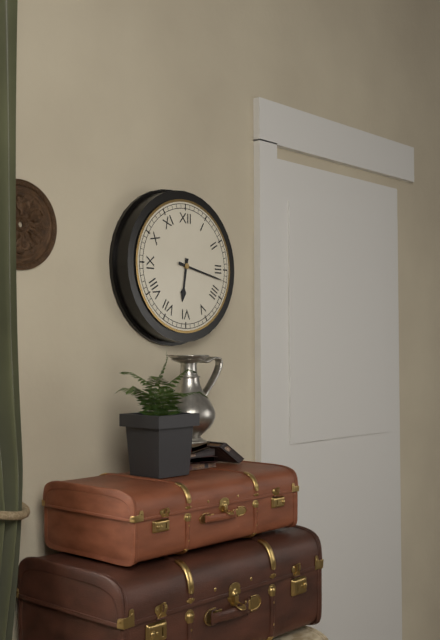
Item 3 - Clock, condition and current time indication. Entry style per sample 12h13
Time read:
6h17
